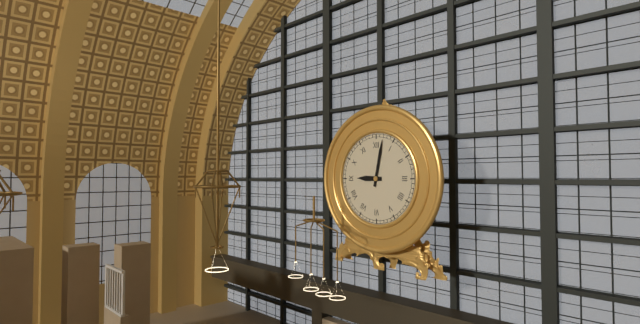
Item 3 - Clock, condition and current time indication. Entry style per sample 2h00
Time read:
9h02
